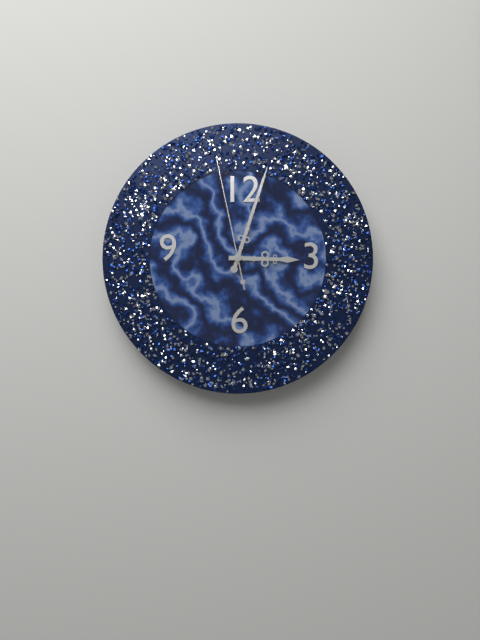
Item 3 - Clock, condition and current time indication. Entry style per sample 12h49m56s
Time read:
3h03m58s
